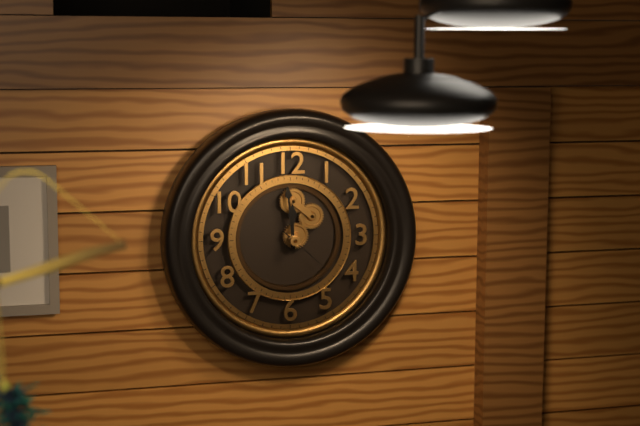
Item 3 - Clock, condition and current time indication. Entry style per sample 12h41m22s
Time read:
11h59m22s
